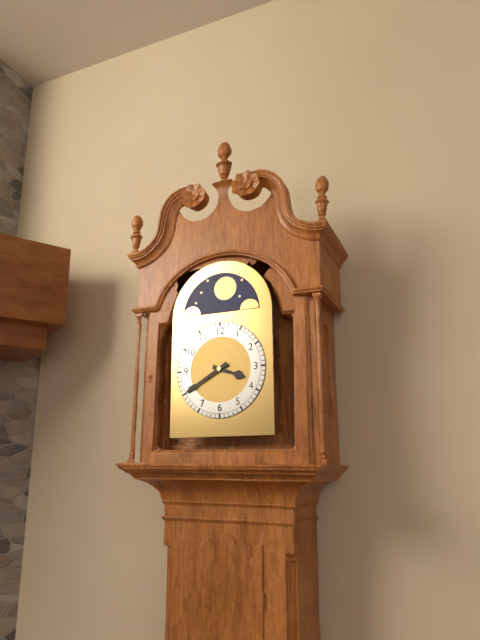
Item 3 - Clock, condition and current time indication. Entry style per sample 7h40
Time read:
3h40
